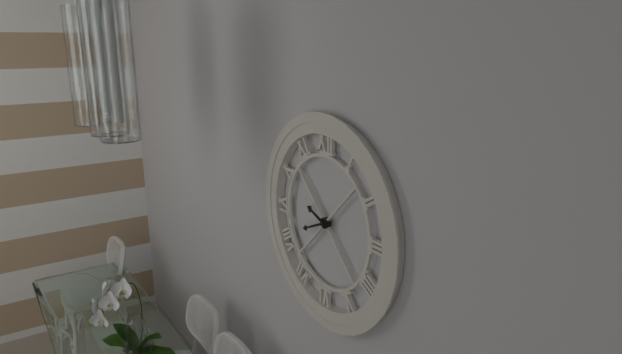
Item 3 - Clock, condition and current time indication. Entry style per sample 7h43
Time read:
9h41
